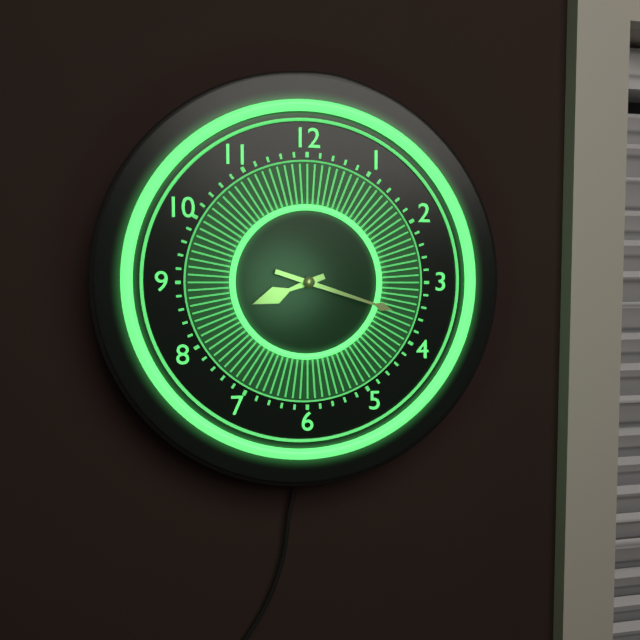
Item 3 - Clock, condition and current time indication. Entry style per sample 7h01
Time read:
8h18
